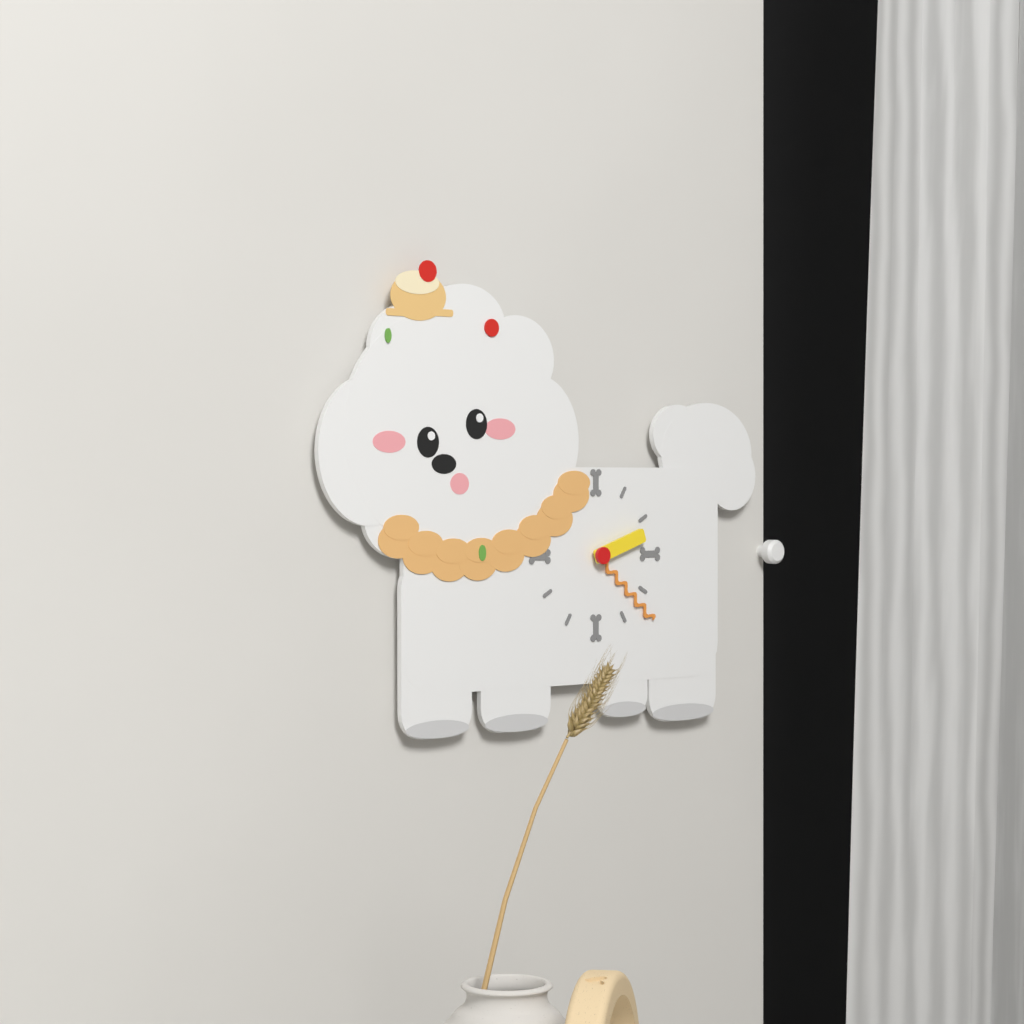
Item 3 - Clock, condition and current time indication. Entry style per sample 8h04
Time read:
2h22
